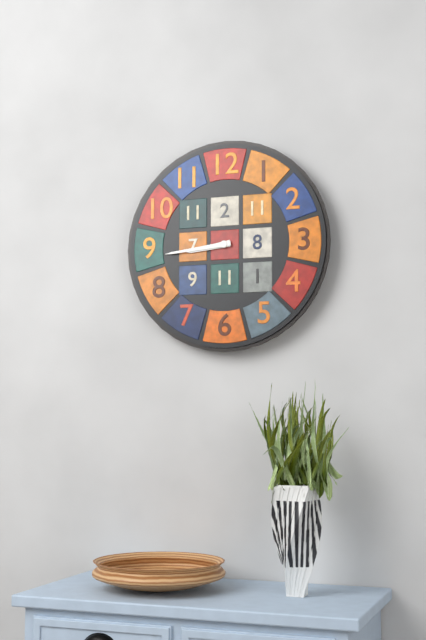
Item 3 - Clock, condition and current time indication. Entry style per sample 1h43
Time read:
8h44
